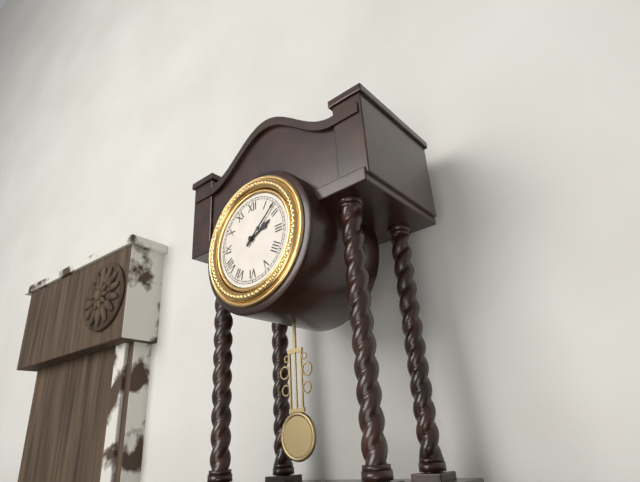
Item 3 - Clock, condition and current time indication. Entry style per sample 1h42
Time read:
2h08
